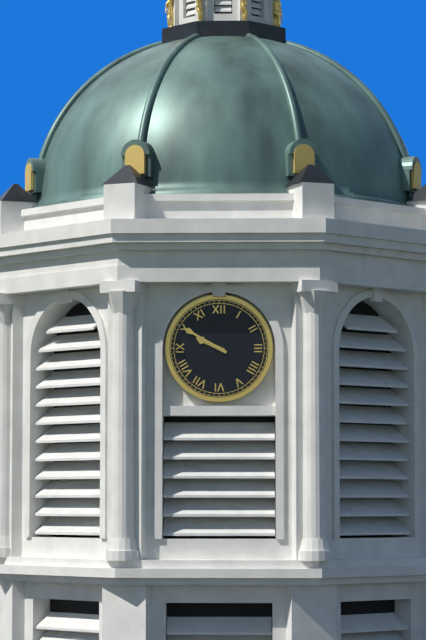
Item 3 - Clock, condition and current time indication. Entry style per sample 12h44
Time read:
9h50
